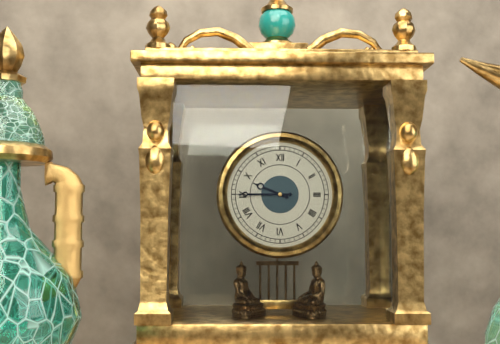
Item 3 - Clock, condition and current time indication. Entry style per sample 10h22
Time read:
9h45
